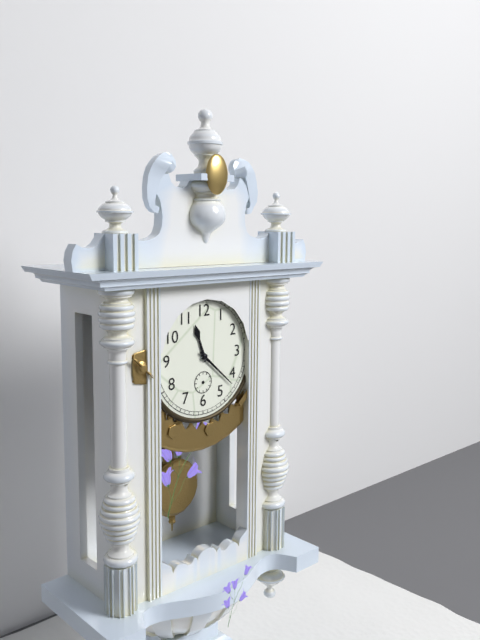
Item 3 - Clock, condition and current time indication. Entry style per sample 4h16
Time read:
11h22
